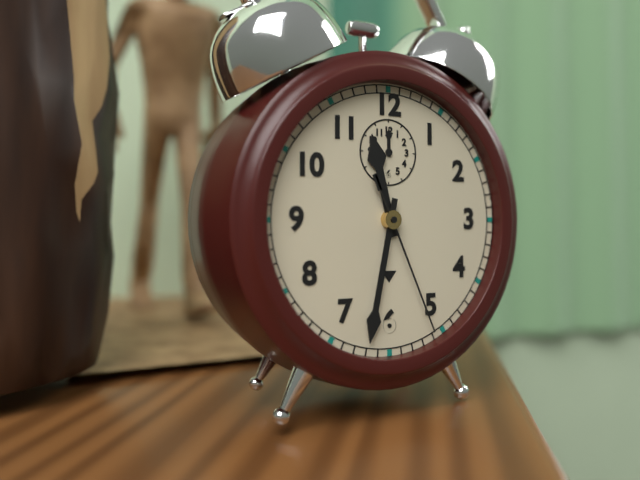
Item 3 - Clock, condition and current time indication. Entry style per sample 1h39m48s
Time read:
11h32m26s
